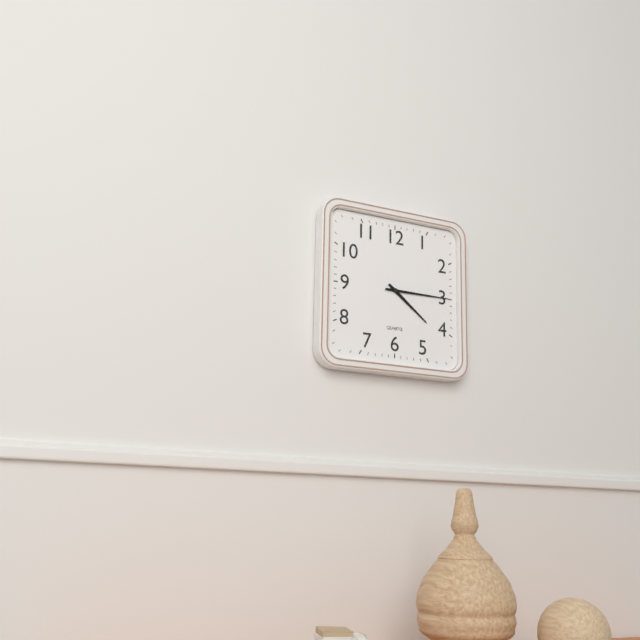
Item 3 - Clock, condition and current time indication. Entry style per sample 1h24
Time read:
4h15
